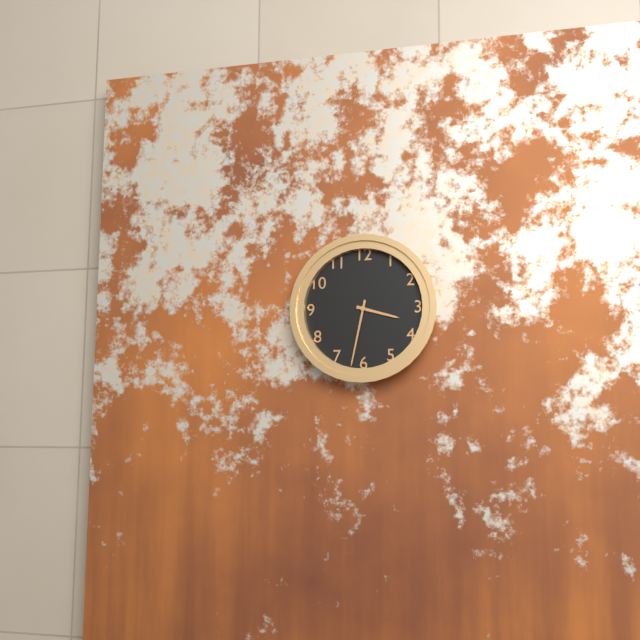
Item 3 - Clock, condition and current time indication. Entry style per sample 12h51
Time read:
3h32
